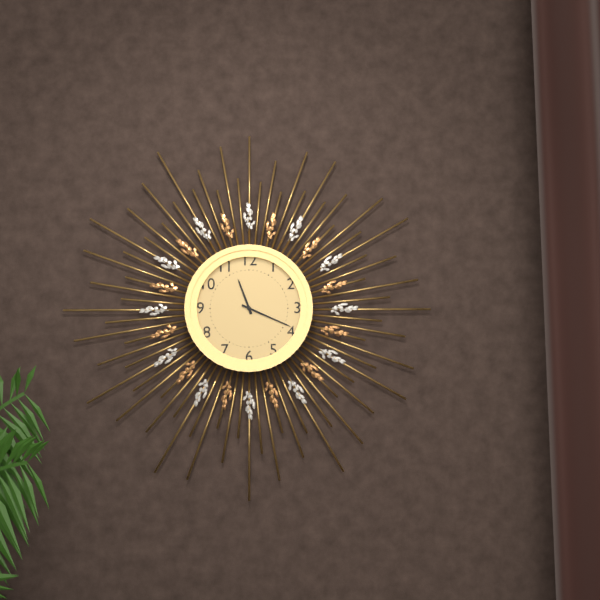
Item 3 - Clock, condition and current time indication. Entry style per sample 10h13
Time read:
11h19
